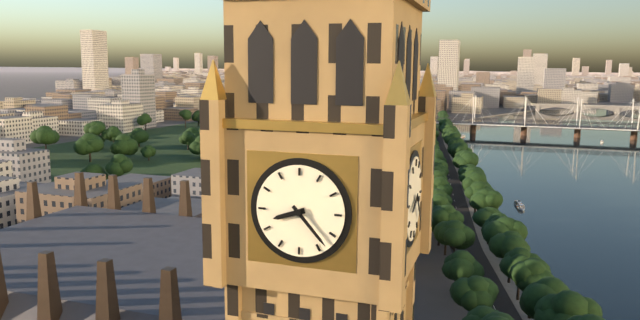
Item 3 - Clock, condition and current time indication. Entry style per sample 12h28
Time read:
8h23
